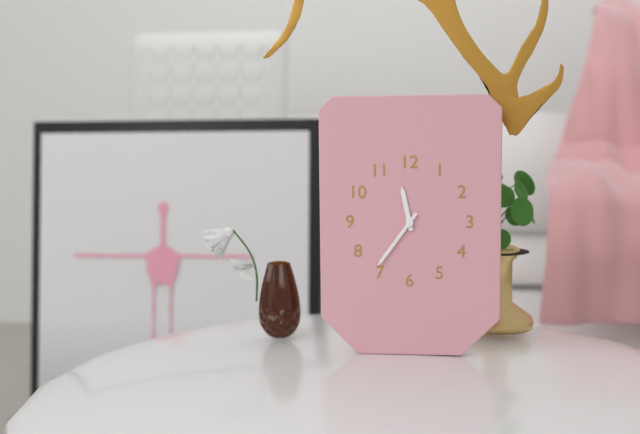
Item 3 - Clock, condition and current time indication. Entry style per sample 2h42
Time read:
11h36
